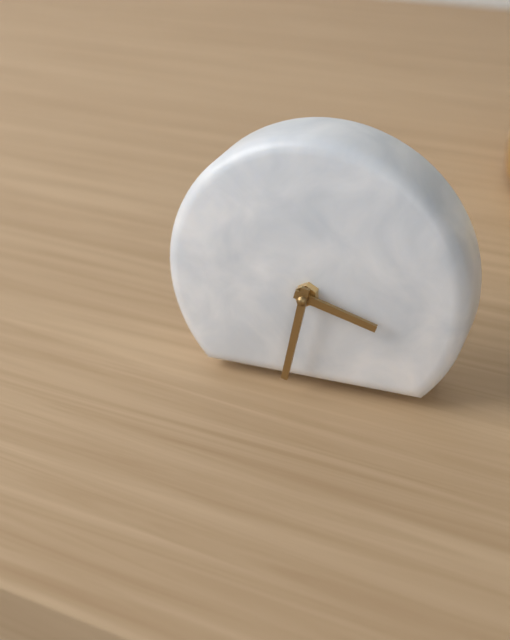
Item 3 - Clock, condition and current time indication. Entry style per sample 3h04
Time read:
3h32
